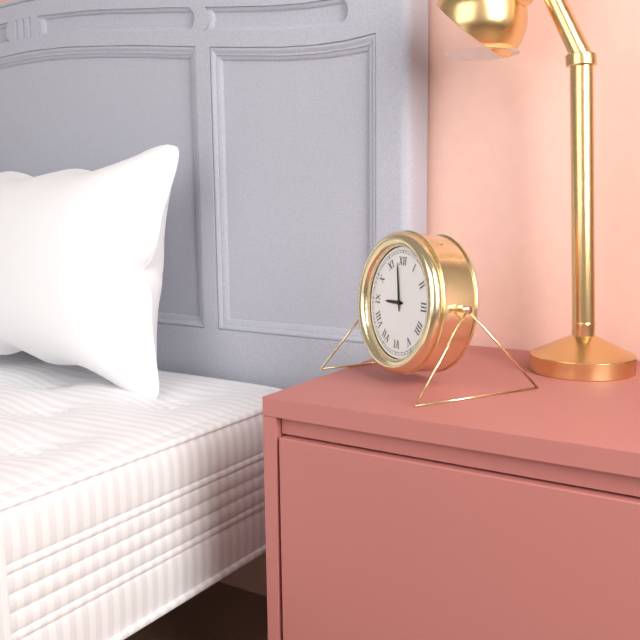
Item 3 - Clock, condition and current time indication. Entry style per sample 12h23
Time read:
8h58
